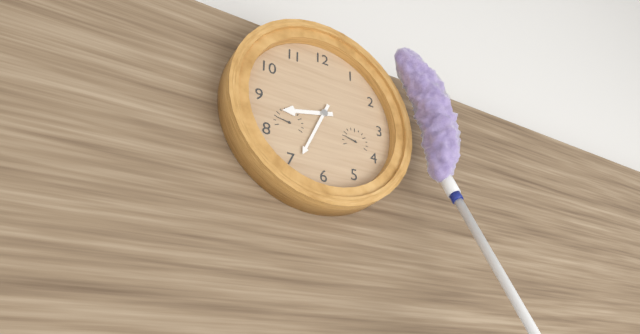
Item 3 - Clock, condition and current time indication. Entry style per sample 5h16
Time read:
8h34
